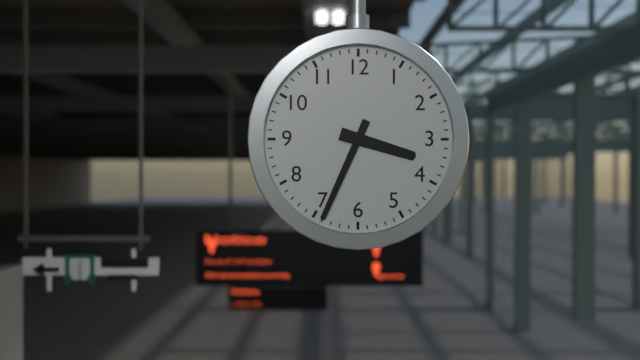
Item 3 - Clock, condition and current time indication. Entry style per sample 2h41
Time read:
3h34
